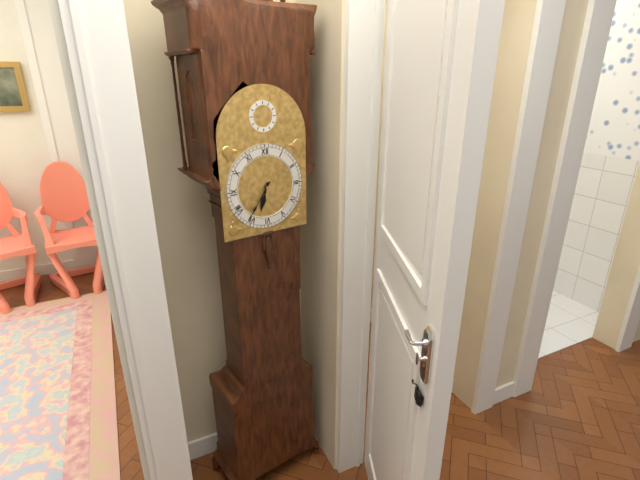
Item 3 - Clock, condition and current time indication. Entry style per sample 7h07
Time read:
6h36
